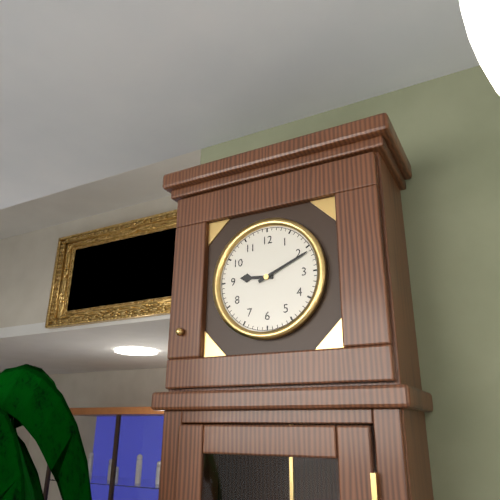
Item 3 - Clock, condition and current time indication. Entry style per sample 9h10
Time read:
9h11
